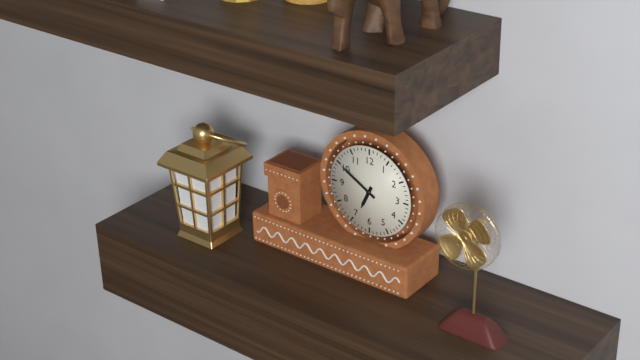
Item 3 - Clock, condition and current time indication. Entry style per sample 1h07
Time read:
6h50
